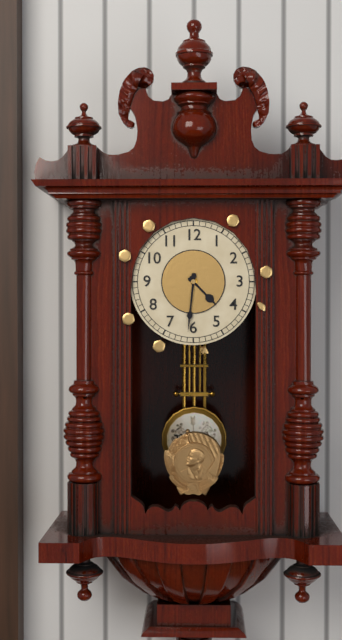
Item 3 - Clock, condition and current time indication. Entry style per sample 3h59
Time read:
4h31
